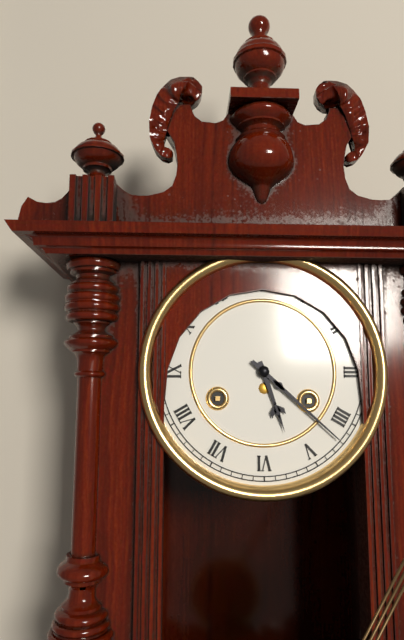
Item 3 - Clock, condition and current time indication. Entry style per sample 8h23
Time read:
5h22
